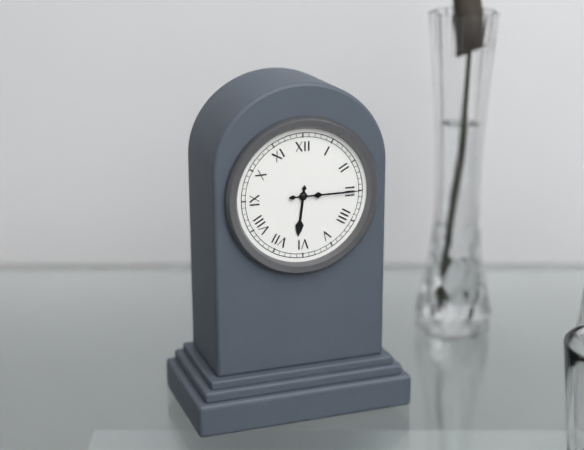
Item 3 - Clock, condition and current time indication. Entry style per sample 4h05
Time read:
6h15
